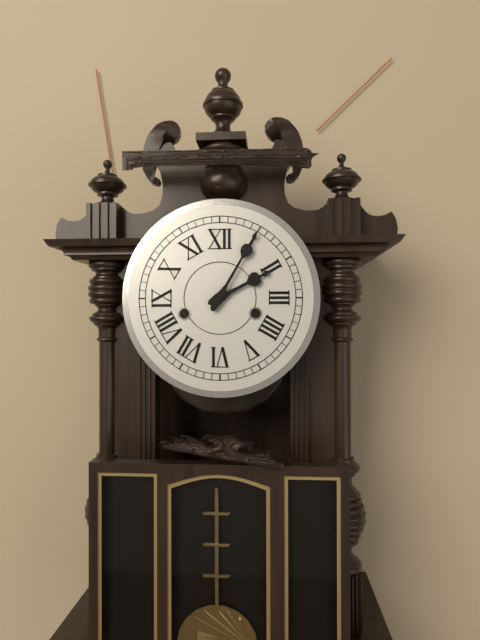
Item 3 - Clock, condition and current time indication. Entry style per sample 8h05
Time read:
2h05
